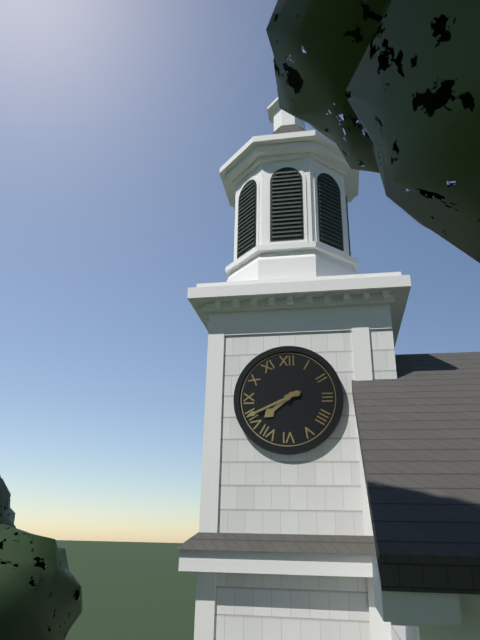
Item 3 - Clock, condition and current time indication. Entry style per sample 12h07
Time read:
7h41
